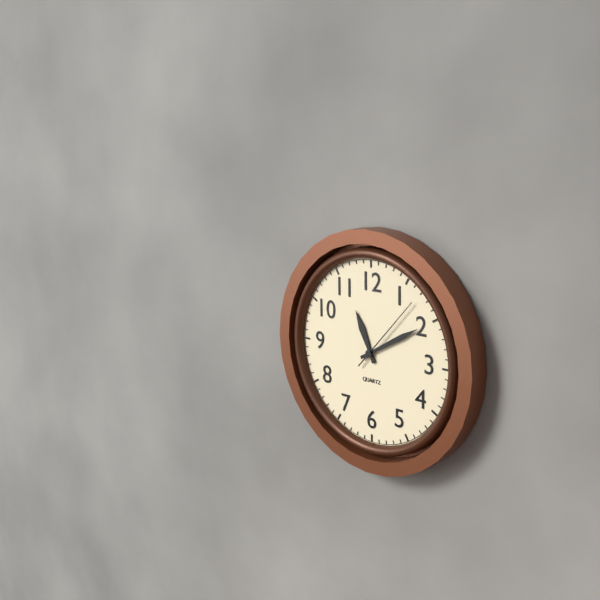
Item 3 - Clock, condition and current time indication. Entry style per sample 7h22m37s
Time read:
11h10m07s
